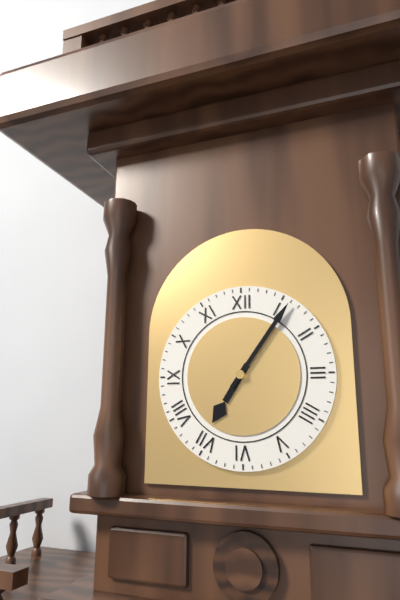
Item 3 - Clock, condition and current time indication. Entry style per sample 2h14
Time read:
7h06
